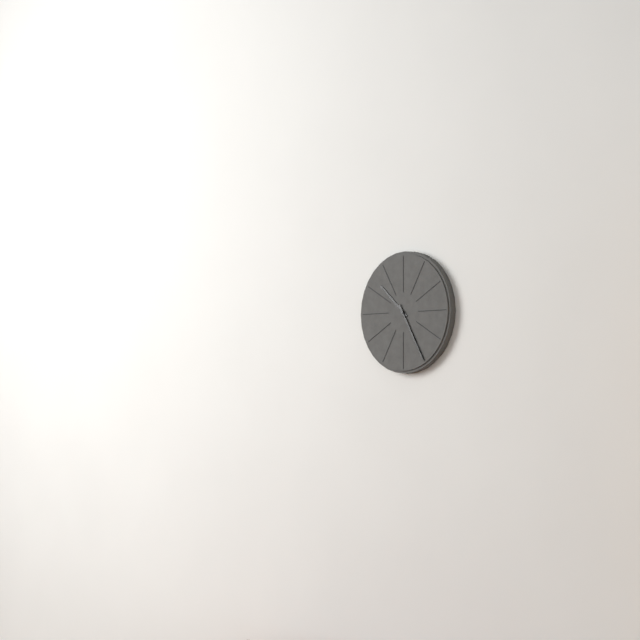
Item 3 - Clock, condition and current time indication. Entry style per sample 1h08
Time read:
10h25
